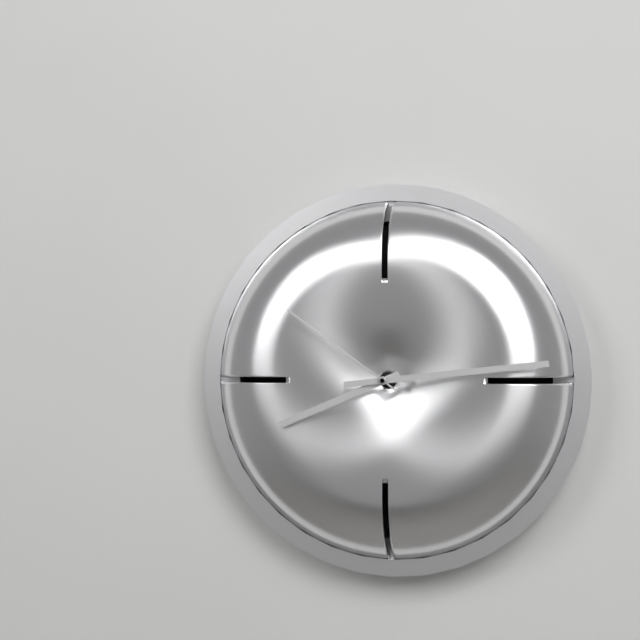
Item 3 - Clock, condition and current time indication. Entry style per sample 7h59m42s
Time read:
8h14m51s
